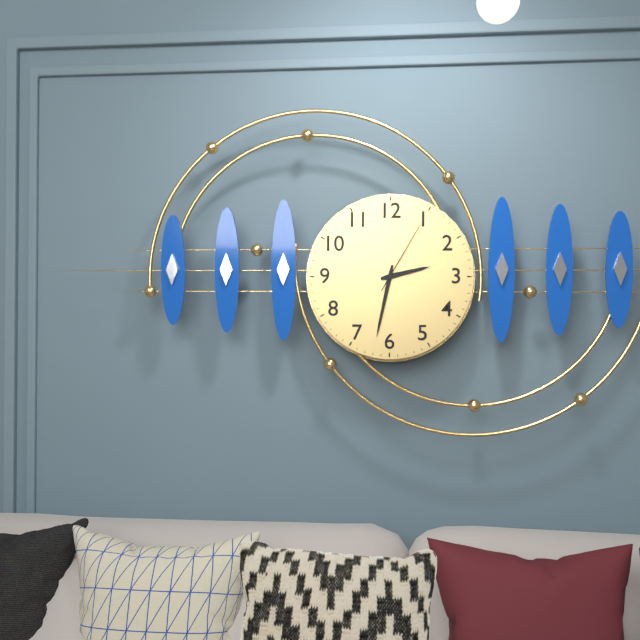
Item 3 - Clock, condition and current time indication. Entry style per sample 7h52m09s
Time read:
2h32m05s
